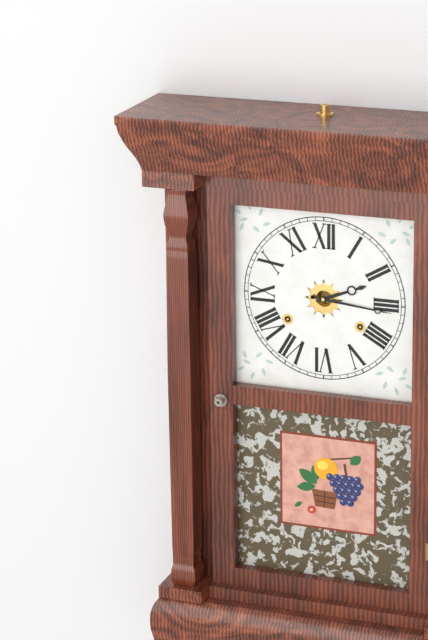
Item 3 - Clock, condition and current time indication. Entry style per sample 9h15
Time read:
2h16
